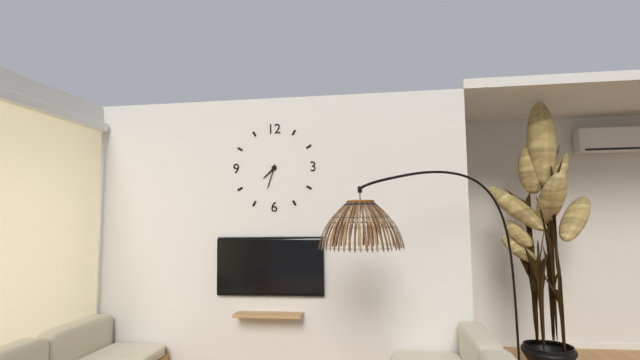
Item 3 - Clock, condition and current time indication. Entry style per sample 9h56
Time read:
7h33
